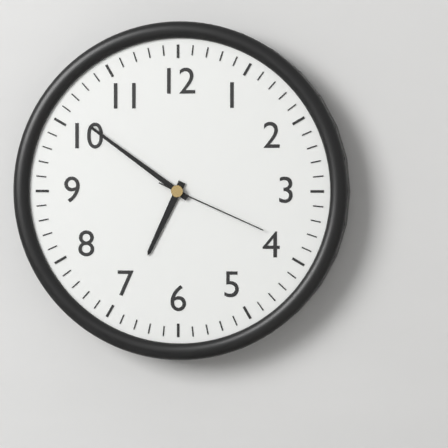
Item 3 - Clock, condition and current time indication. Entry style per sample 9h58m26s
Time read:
6h51m19s
